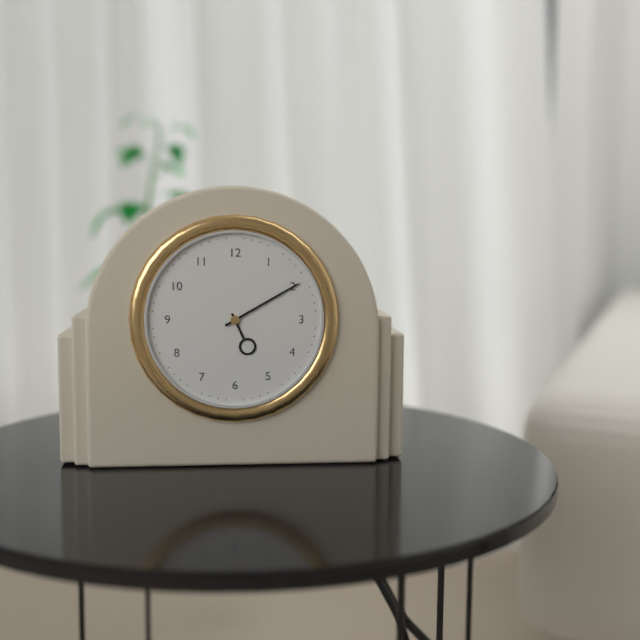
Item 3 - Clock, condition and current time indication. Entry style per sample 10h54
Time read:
5h10
